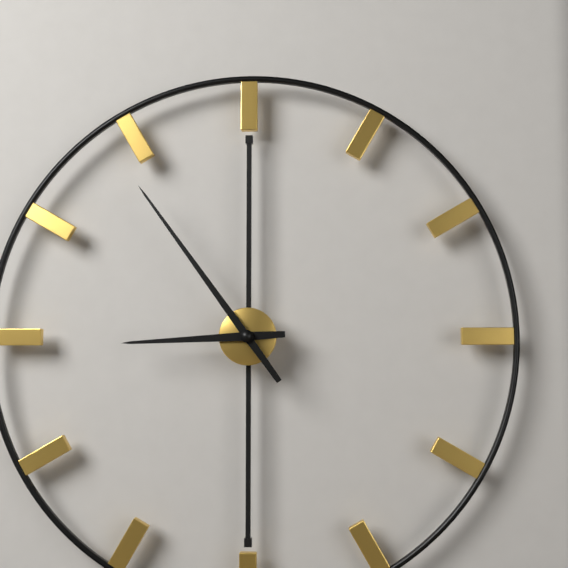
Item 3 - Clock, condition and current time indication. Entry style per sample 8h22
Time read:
8h54
